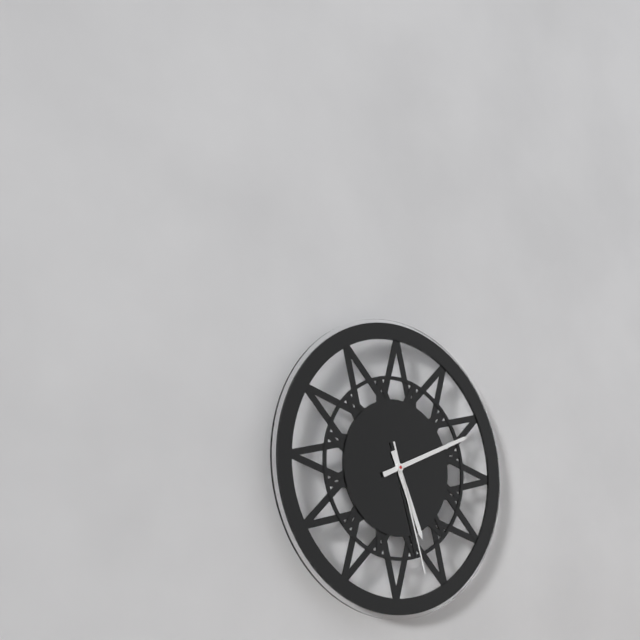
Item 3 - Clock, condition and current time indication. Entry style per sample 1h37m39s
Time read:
5h11m27s
